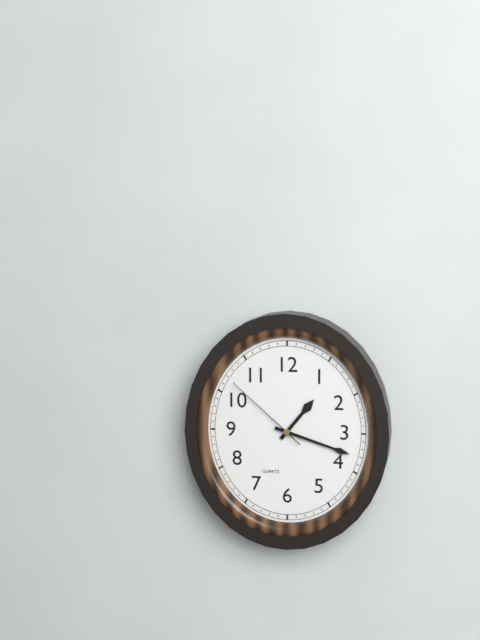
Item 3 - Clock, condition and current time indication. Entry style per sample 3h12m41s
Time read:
1h18m52s
